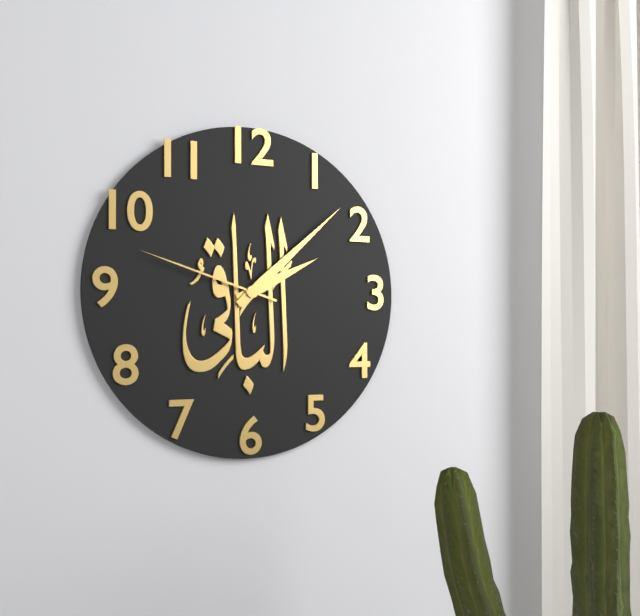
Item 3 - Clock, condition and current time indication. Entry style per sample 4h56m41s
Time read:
2h08m48s
